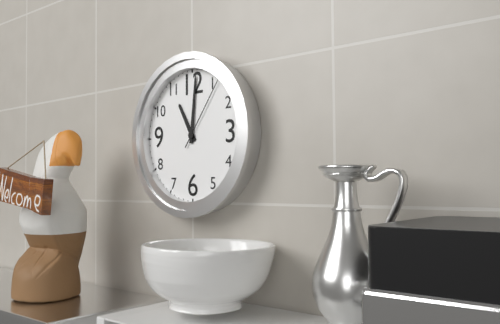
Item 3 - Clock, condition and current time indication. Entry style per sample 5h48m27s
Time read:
11h01m06s
